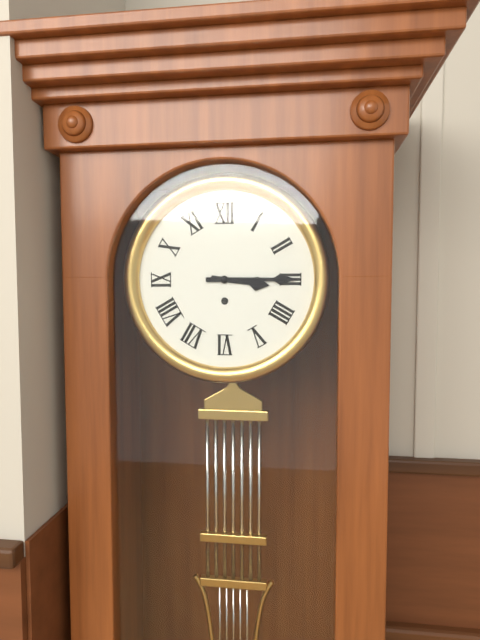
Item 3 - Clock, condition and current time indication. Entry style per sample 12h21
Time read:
3h15
